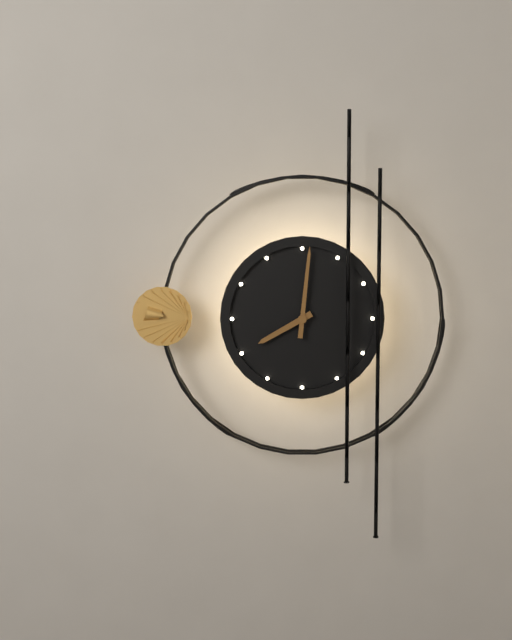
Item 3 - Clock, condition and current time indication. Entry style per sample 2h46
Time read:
8h01
